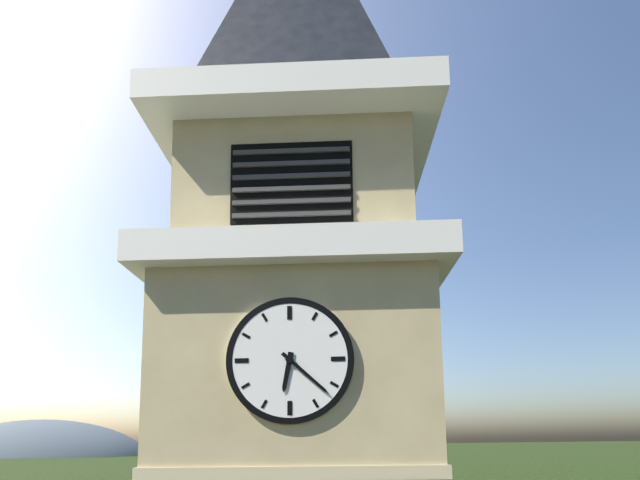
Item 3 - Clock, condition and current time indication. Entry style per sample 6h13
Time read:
6h22
